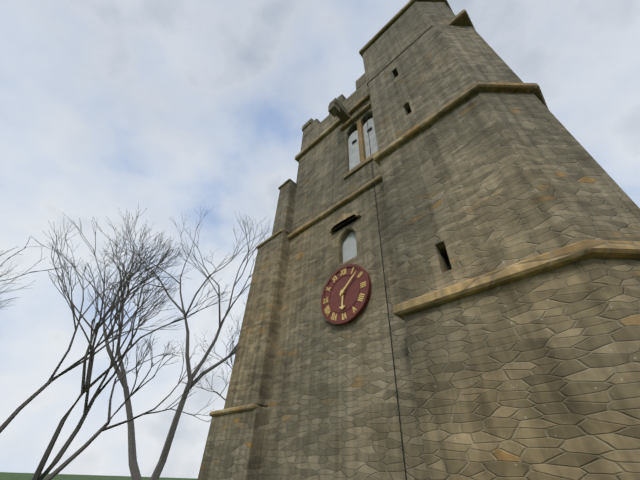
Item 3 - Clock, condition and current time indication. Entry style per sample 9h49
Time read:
6h08
